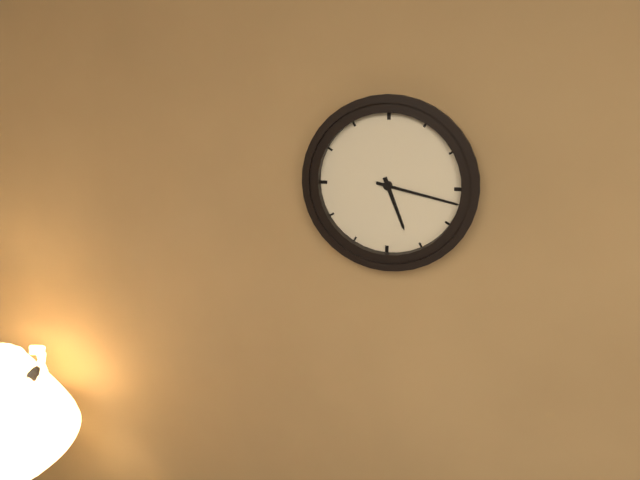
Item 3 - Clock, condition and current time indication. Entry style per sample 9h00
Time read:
5h17
